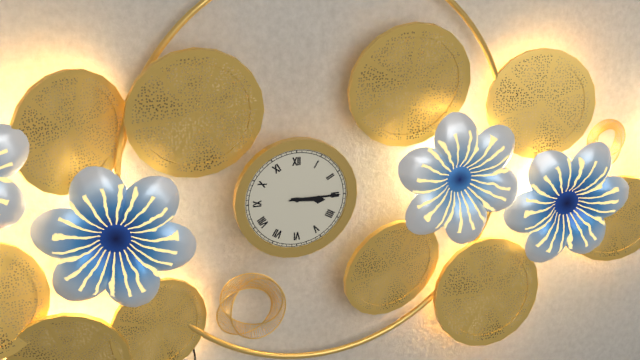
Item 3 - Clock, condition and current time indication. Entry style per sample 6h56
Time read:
3h15
